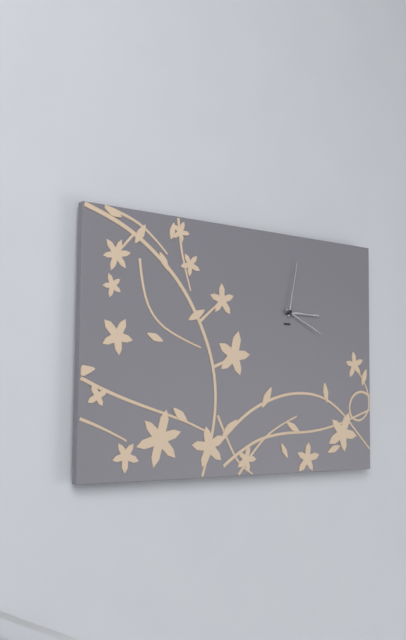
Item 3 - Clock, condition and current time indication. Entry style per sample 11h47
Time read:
3h02
